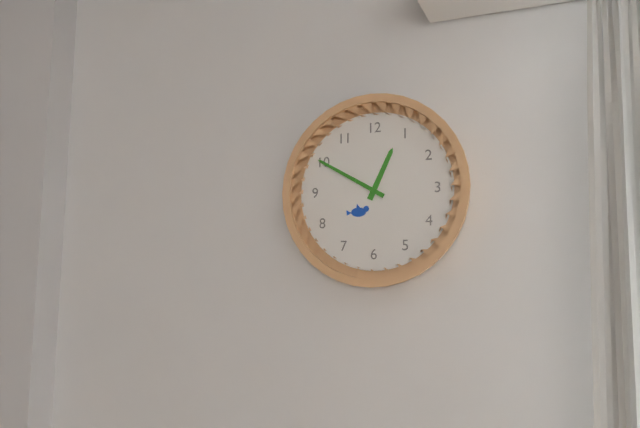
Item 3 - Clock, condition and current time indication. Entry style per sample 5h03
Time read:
12h50
